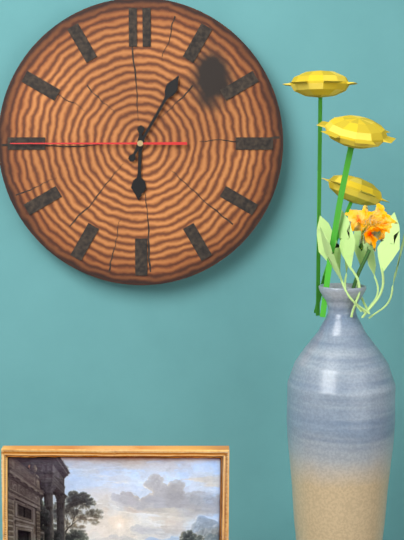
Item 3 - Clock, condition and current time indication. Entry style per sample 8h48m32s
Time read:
6h05m45s
